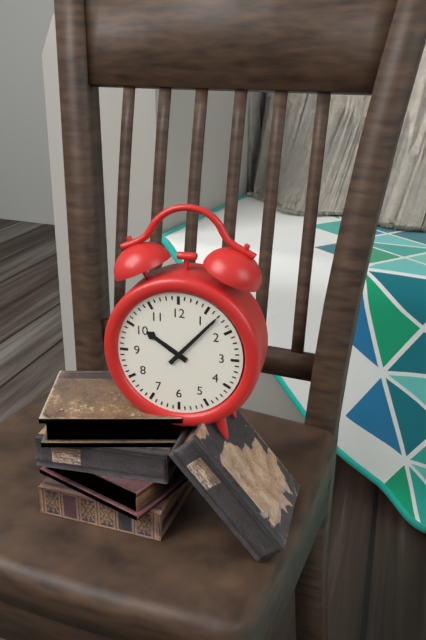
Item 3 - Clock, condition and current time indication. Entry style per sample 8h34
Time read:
10h07
